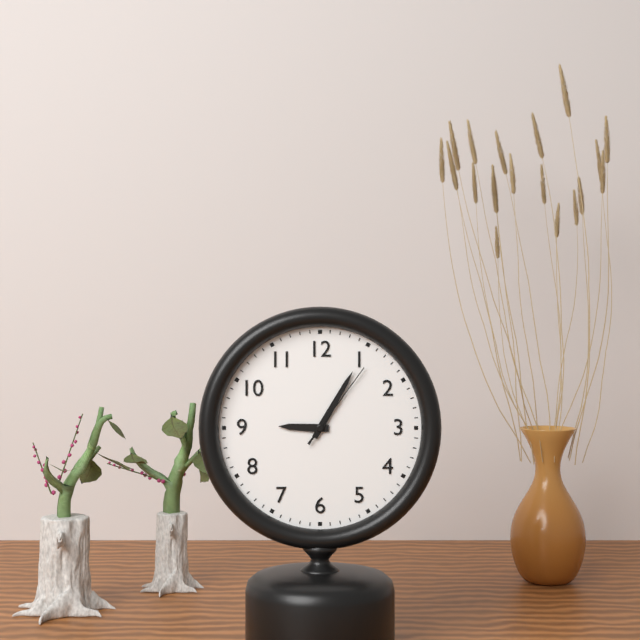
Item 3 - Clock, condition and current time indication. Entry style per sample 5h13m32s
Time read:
9h05m06s
